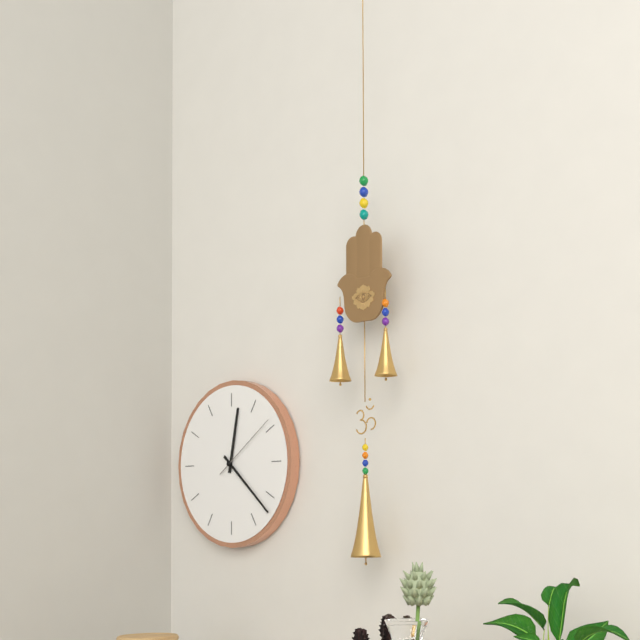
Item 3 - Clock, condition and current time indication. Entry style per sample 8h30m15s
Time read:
12h22m09s
